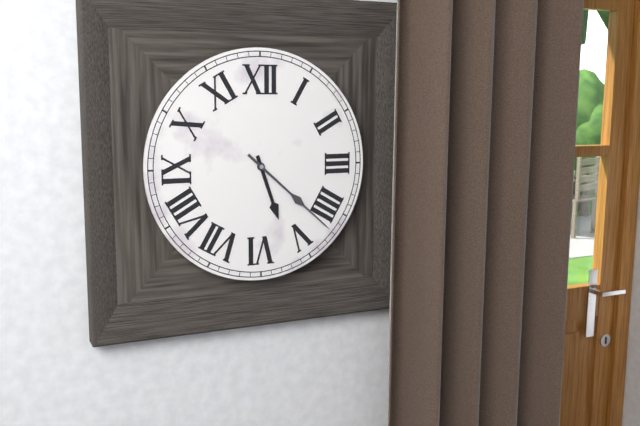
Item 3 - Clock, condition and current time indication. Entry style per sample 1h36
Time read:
5h22
